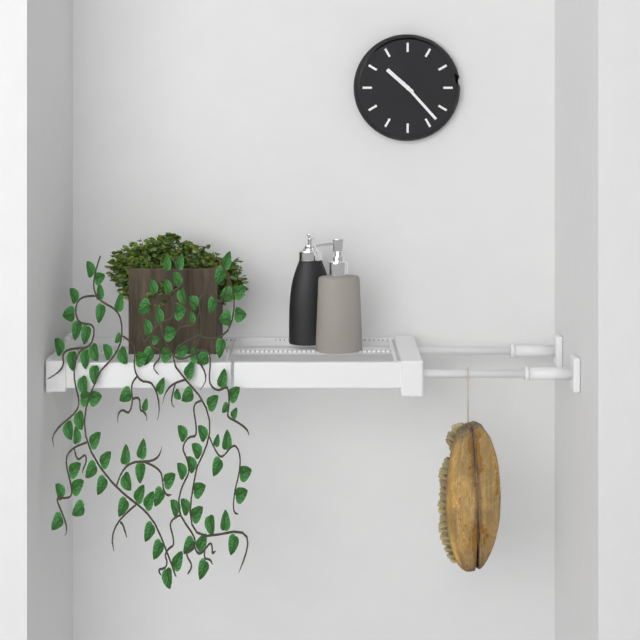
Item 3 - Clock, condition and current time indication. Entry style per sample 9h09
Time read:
10h23
